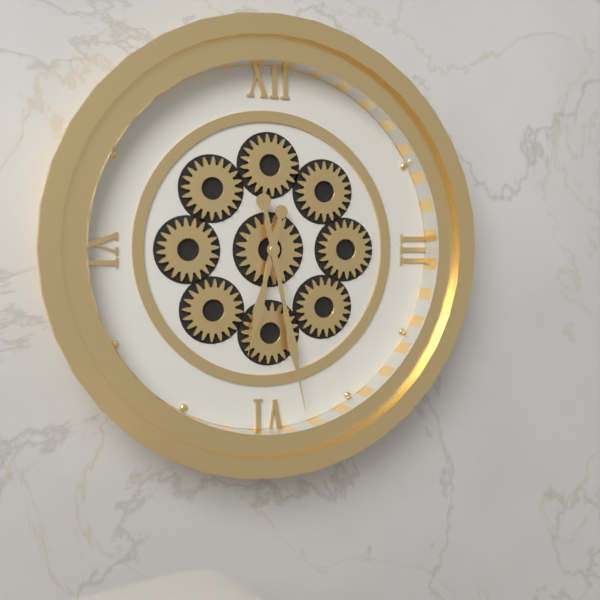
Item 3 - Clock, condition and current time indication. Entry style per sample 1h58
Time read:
6h28
